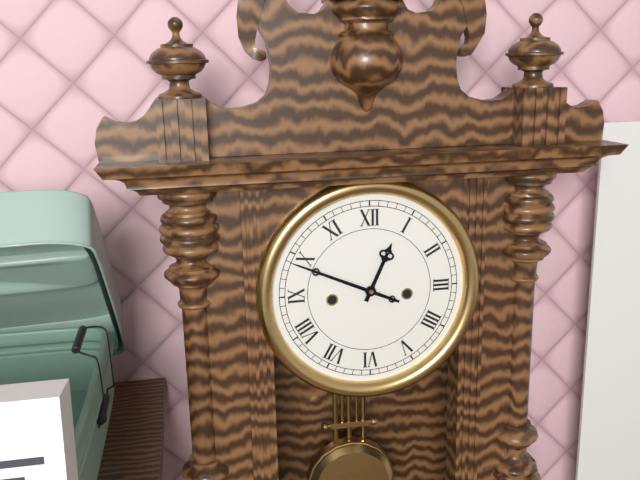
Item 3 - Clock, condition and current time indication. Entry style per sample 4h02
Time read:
12h49
